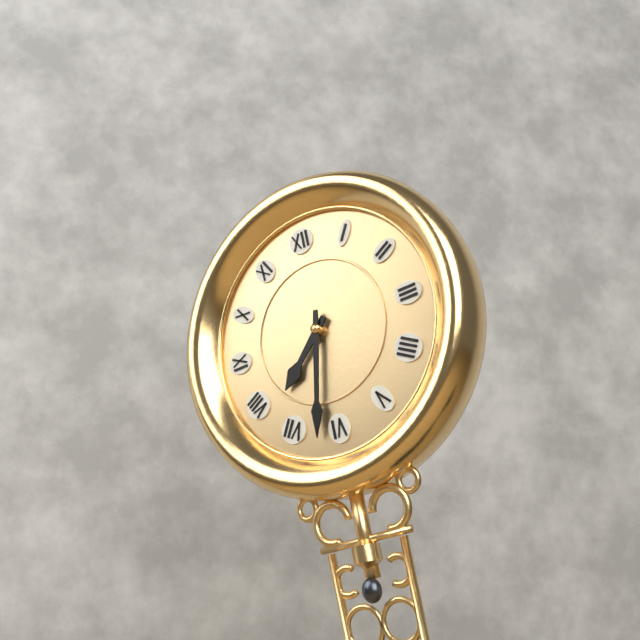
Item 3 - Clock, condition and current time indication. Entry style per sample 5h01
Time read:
7h32
